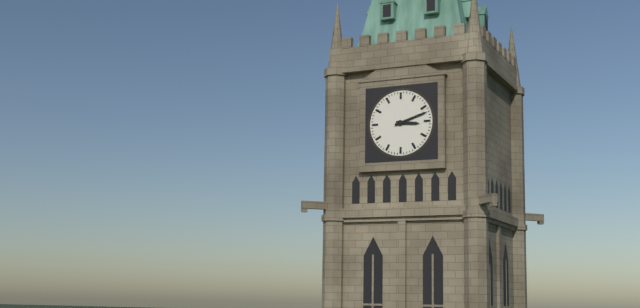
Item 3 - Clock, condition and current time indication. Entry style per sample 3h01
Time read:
3h12
